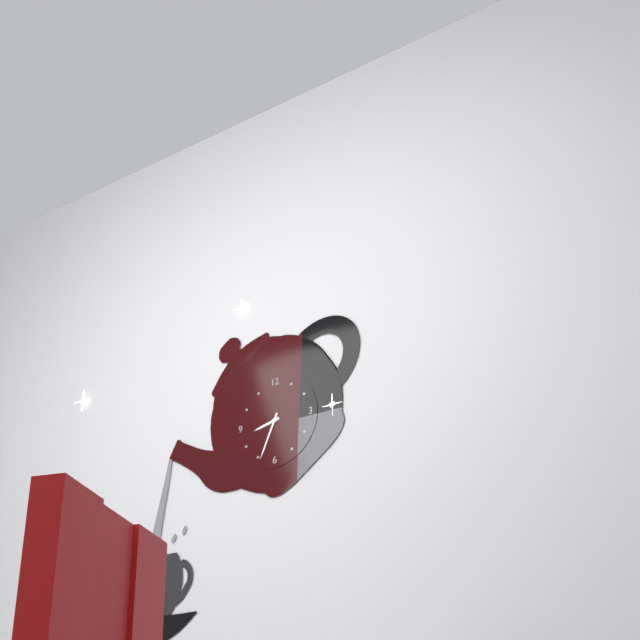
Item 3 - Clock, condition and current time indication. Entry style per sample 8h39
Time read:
8h34
